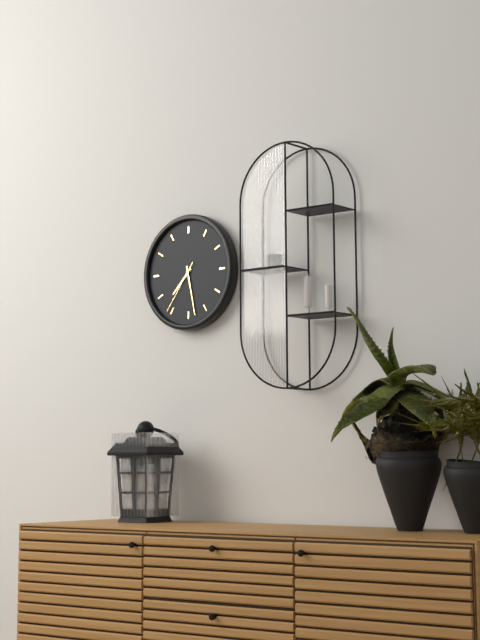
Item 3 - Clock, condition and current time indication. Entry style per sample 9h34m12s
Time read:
7h28m36s
